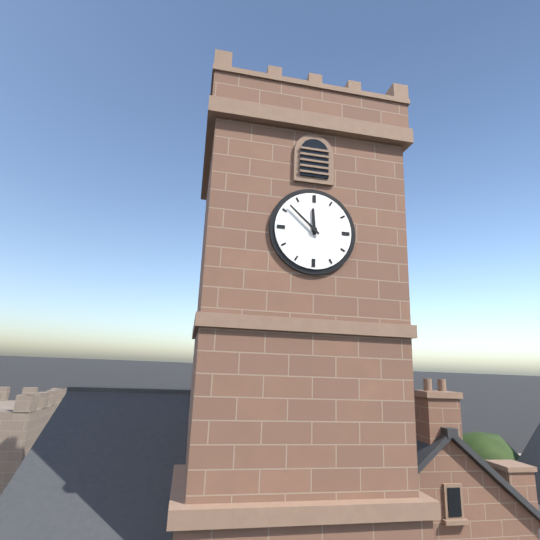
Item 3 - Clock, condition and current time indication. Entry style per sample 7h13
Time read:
11h52
